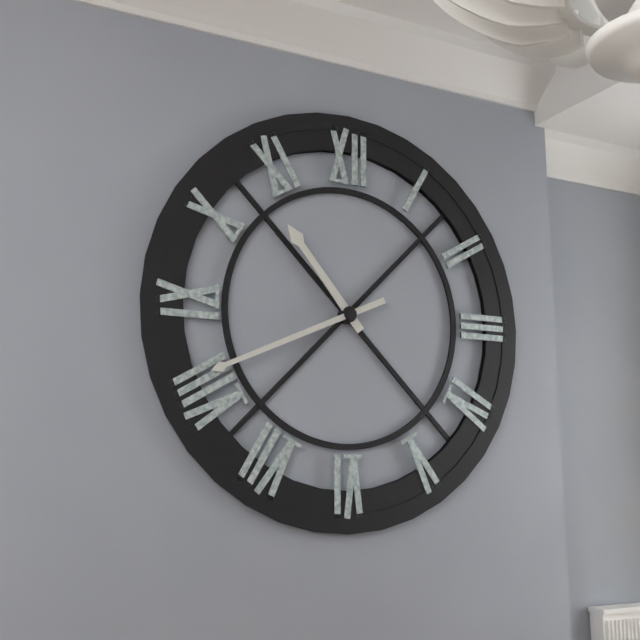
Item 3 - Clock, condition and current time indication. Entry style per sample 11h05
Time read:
10h41
